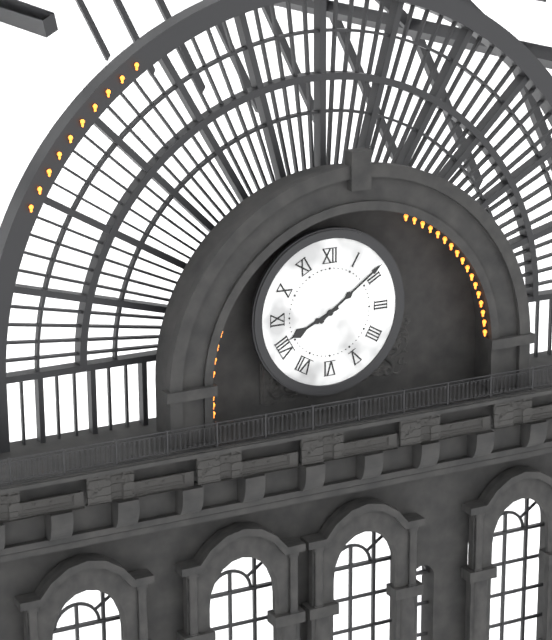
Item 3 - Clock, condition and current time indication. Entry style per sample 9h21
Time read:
8h09
